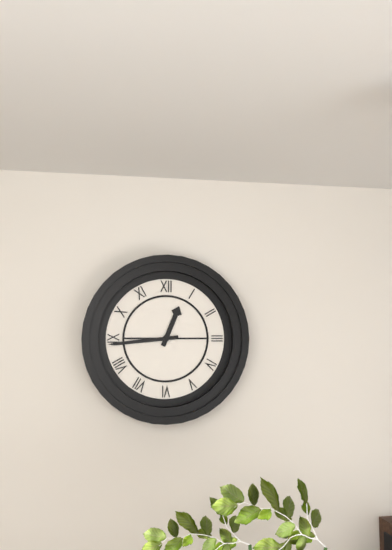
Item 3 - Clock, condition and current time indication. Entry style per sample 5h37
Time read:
12h44
